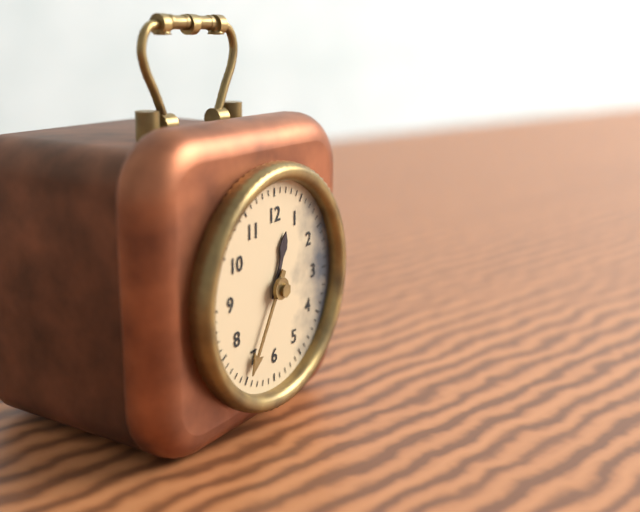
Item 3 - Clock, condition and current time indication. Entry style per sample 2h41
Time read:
12h35
